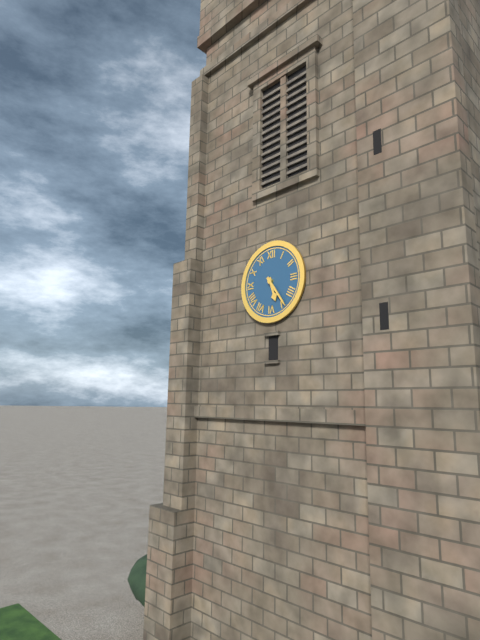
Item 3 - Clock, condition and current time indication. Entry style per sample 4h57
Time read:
5h24
